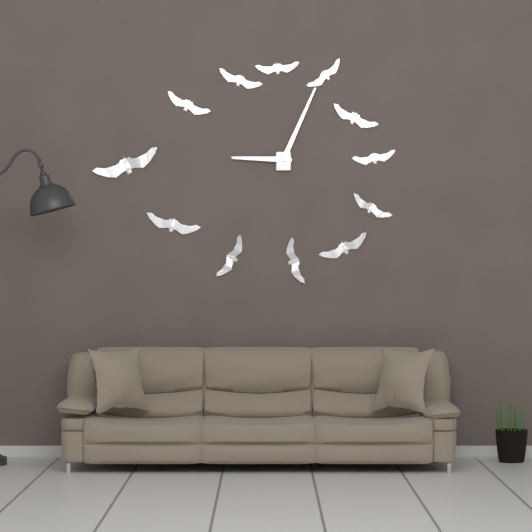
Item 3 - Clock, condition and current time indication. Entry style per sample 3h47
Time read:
9h04
